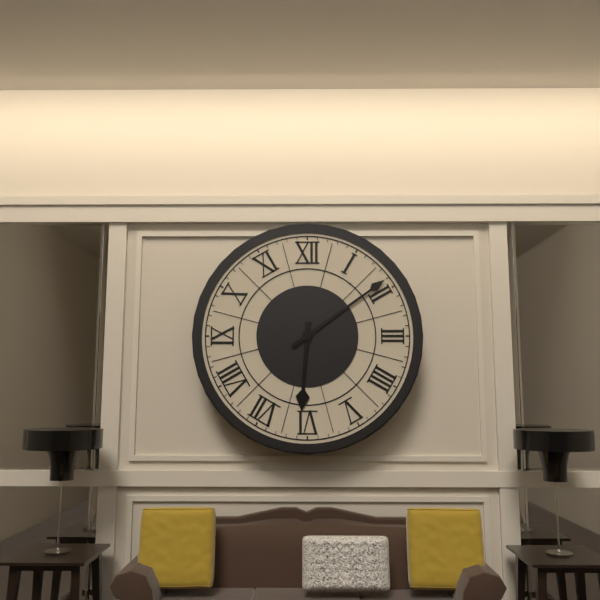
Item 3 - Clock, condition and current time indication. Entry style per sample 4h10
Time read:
6h09
